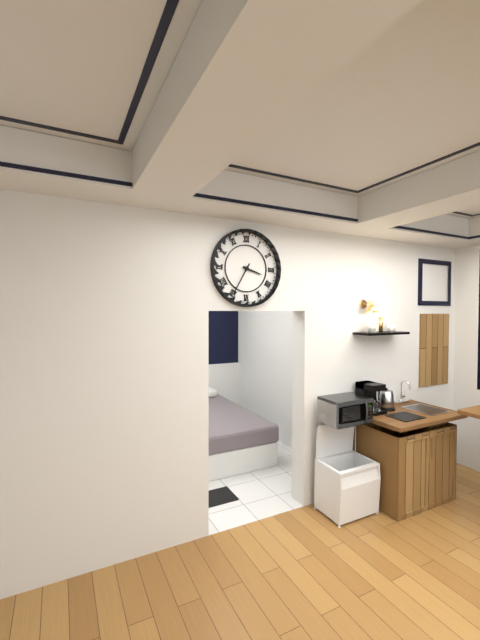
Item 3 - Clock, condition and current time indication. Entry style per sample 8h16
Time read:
3h35
